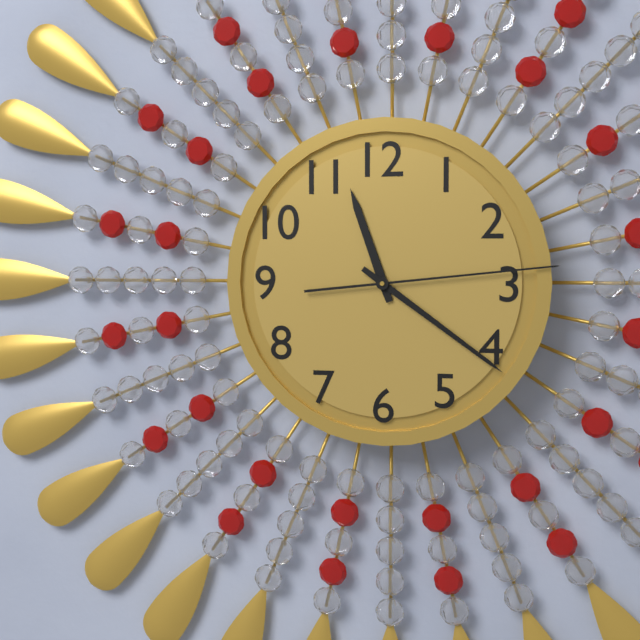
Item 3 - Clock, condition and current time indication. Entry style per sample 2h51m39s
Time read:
11h21m14s
